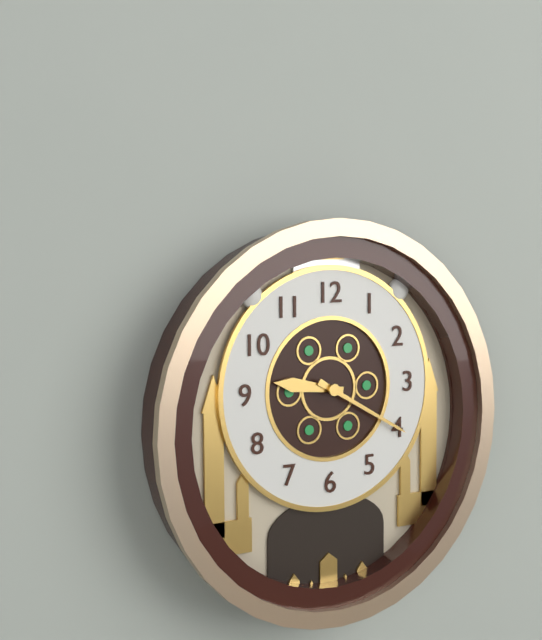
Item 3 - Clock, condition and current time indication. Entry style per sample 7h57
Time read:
9h20
